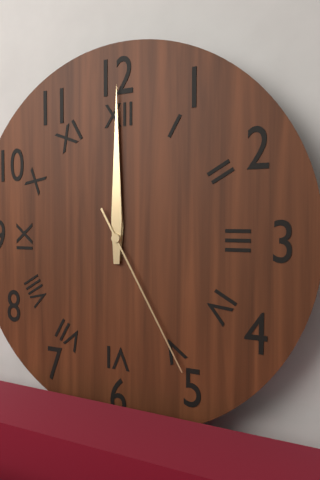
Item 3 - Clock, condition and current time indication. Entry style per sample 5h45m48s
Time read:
12h00m25s
